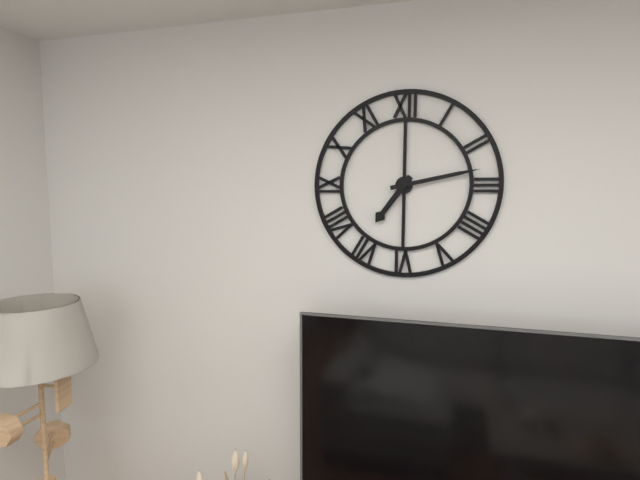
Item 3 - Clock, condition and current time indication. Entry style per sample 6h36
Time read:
7h13
